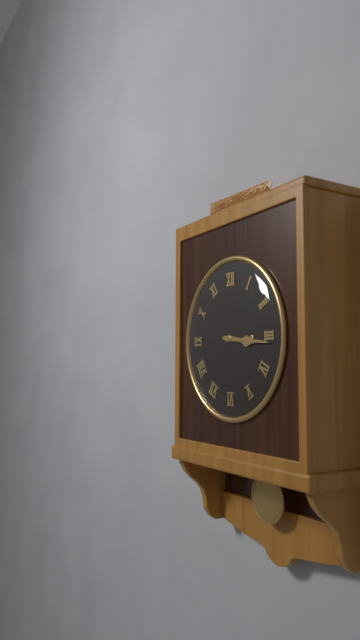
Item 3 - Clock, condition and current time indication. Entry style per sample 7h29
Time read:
3h16
